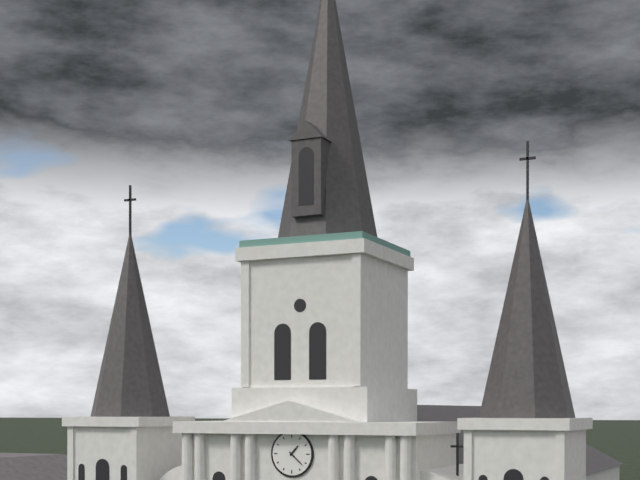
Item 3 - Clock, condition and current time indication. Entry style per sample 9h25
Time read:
1h22
